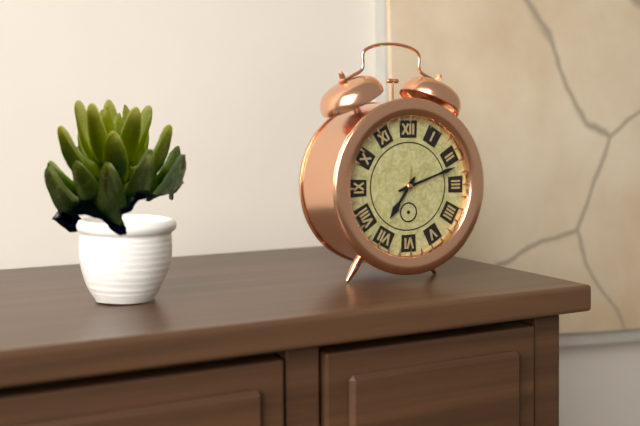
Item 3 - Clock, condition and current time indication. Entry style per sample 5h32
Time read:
7h12
